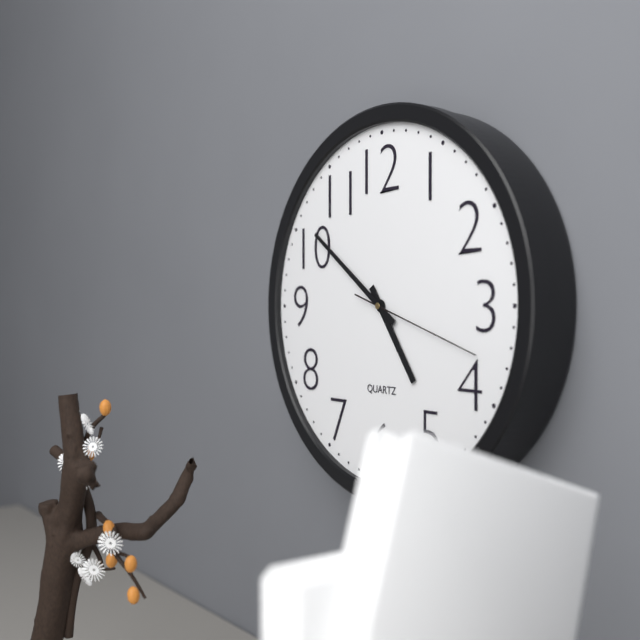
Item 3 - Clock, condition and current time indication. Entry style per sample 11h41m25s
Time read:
4h51m18s
